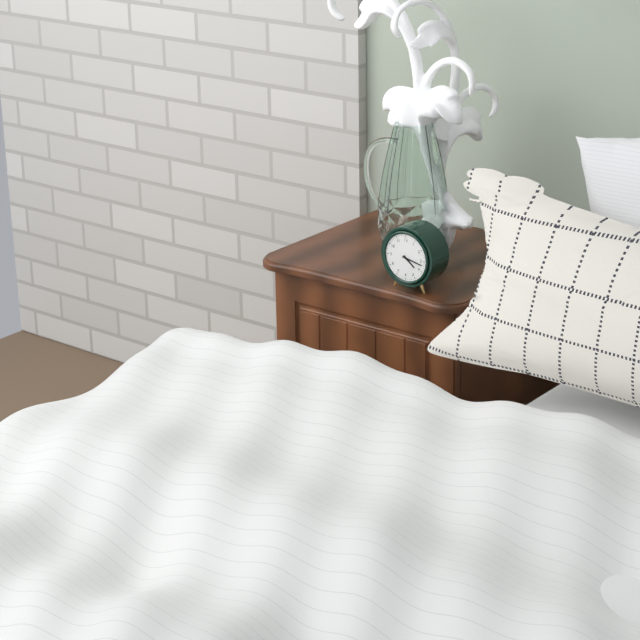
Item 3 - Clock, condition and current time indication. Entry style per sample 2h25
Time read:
4h17
